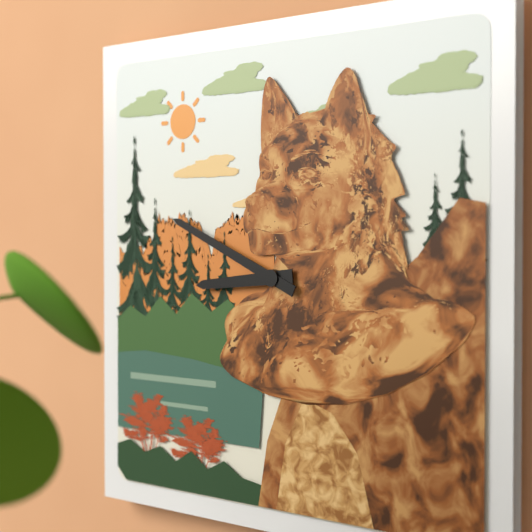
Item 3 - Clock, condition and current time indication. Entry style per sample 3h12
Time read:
8h49
